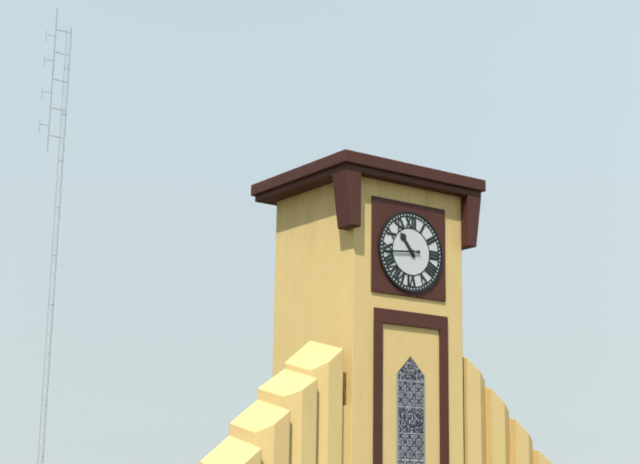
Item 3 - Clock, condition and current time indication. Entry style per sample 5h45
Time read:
10h44
